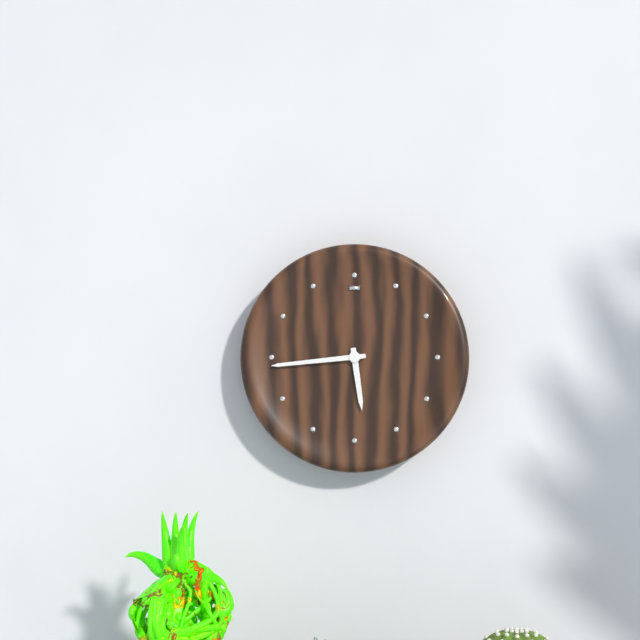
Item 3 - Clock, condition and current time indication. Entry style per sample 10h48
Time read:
5h44
